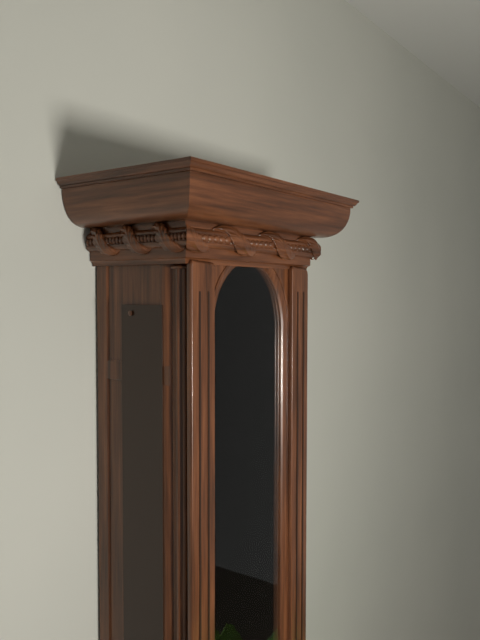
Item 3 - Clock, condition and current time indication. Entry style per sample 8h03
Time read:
9h39
